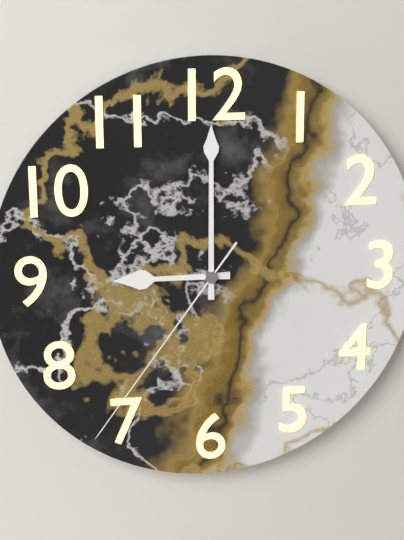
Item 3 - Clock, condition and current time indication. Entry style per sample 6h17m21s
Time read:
9h00m36s
